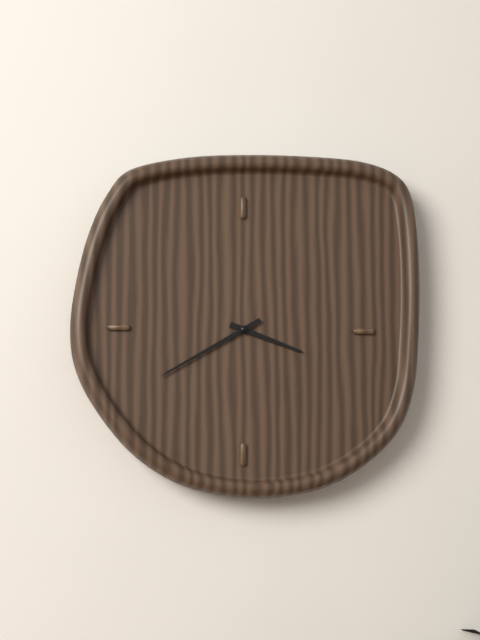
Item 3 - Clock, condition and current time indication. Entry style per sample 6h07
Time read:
3h40
